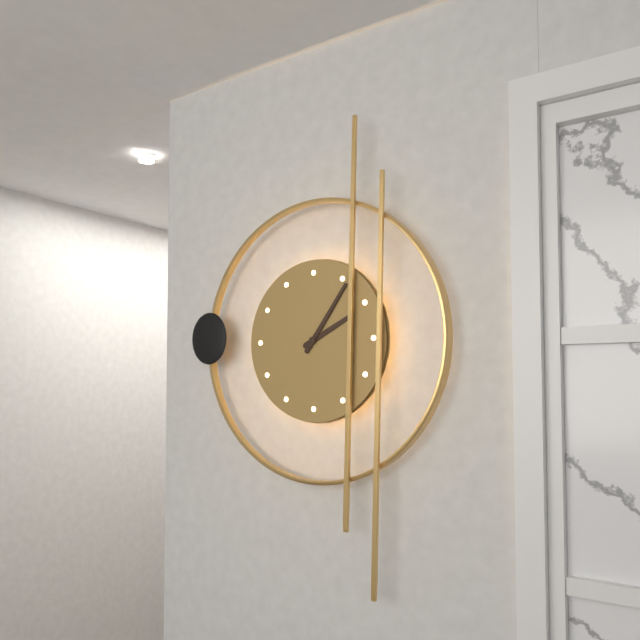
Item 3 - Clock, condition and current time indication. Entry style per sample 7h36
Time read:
2h06
